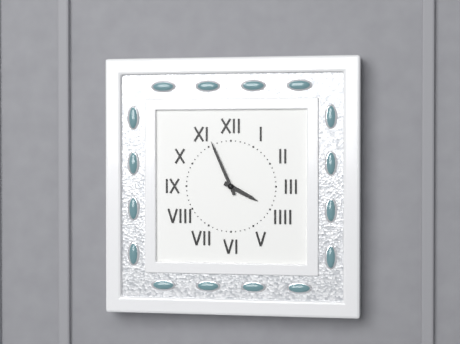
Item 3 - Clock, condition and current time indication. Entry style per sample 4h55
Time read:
3h56
